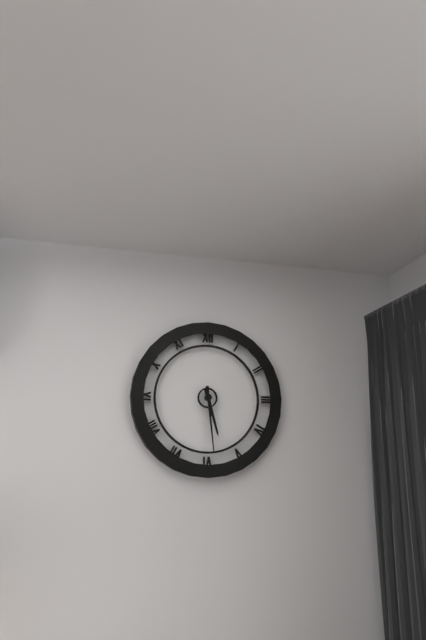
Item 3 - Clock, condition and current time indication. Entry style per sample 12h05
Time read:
5h29
